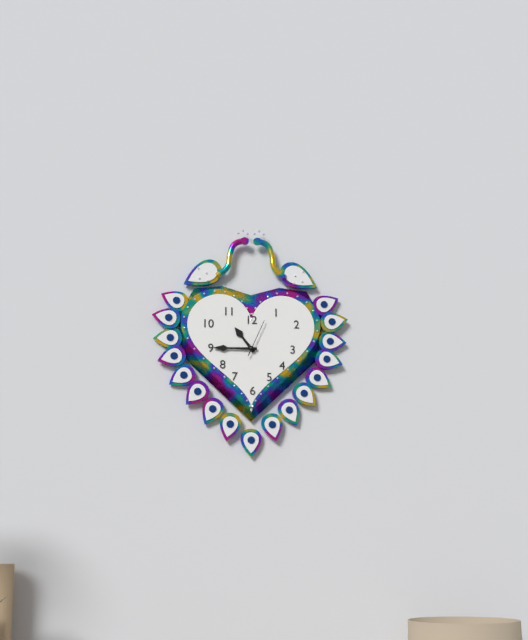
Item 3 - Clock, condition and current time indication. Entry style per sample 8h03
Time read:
10h45
